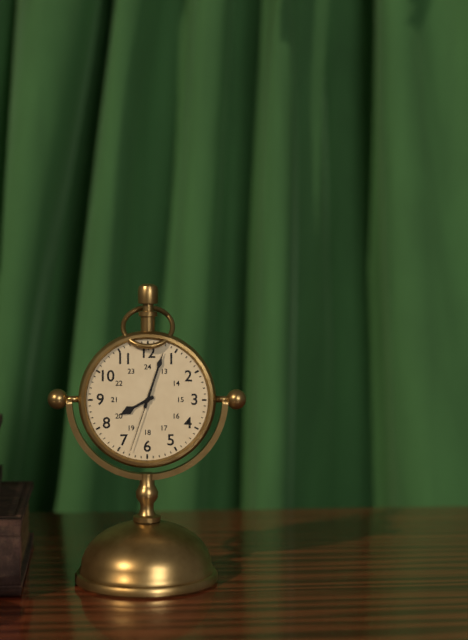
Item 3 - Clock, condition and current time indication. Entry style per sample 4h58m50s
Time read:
8h03m33s
